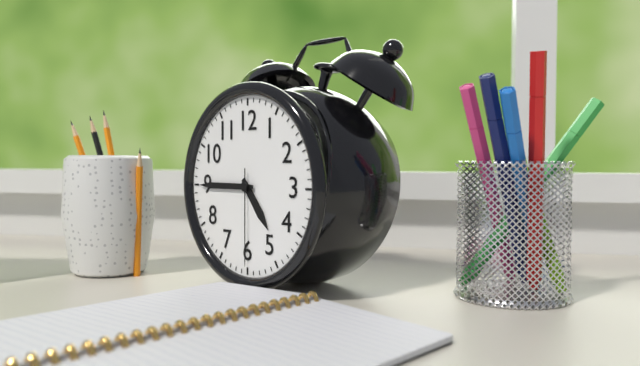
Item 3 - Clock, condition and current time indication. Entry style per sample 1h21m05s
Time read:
4h45m30s
